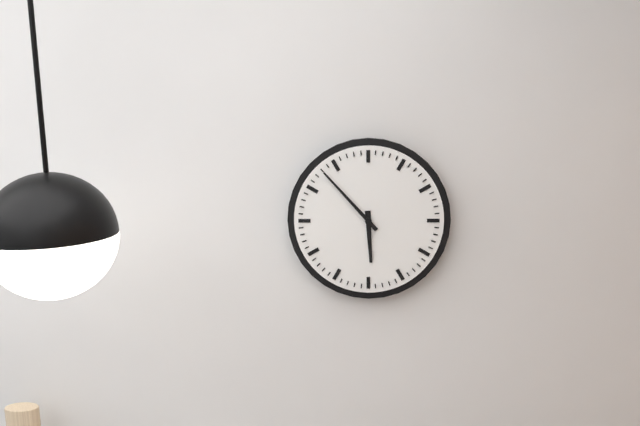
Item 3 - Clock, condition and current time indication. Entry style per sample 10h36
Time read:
5h53
